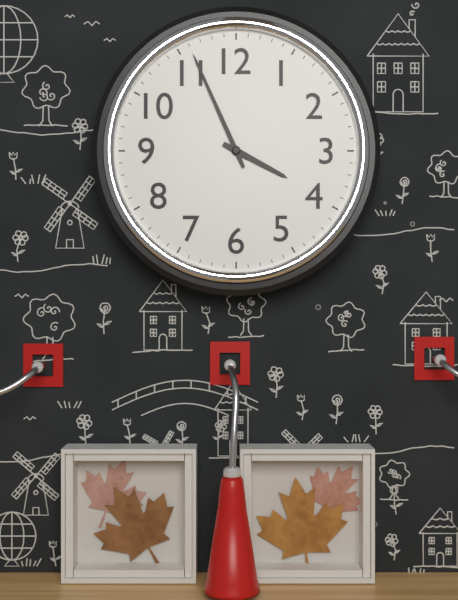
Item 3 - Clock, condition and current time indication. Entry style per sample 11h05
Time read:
3h56
